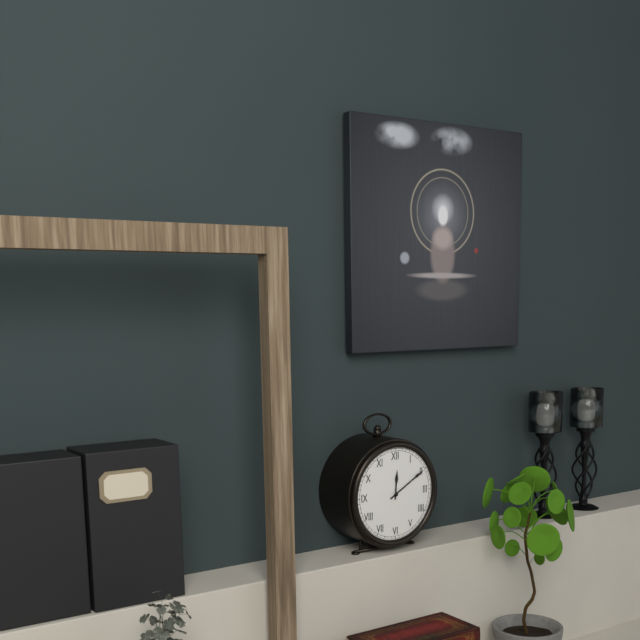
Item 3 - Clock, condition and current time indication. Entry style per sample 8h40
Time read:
12h10
